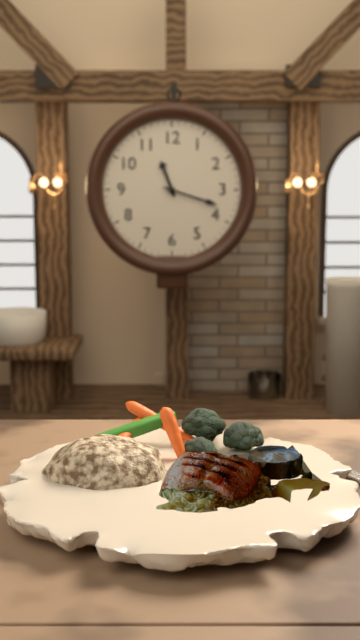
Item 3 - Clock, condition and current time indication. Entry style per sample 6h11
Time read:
11h18
